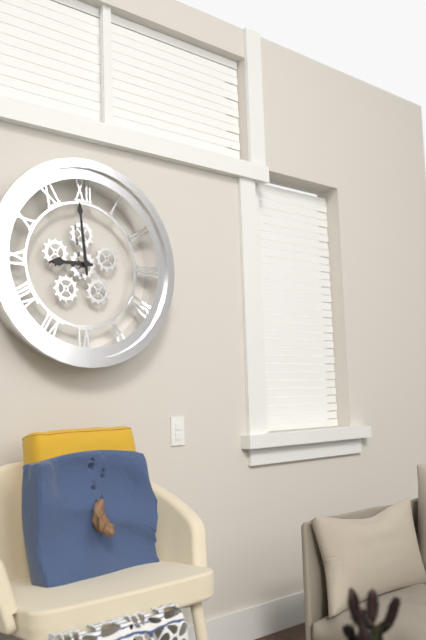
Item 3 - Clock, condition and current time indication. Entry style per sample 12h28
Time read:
8h59
